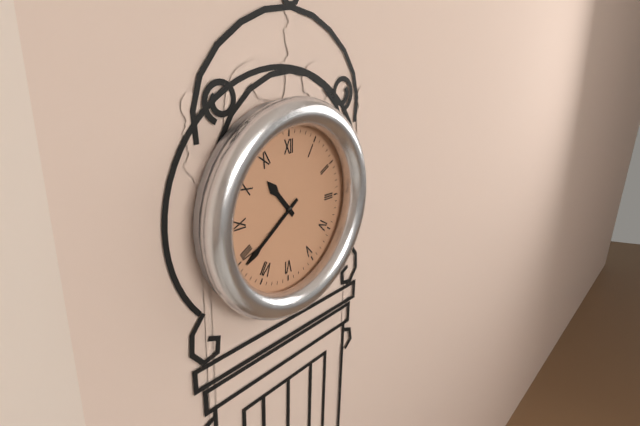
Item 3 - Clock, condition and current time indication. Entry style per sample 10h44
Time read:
10h39
